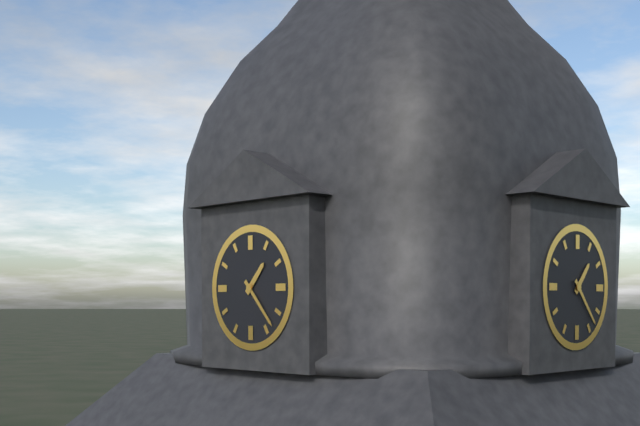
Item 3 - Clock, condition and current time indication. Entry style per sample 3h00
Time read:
1h23
